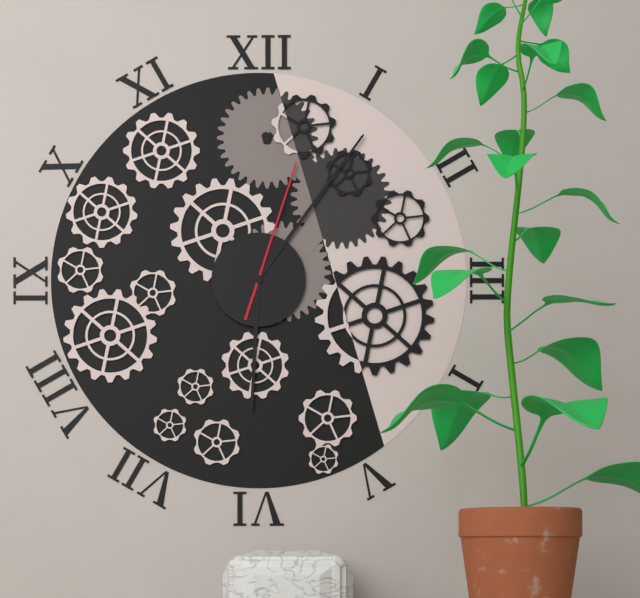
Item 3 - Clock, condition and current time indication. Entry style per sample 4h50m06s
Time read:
6h06m03s
